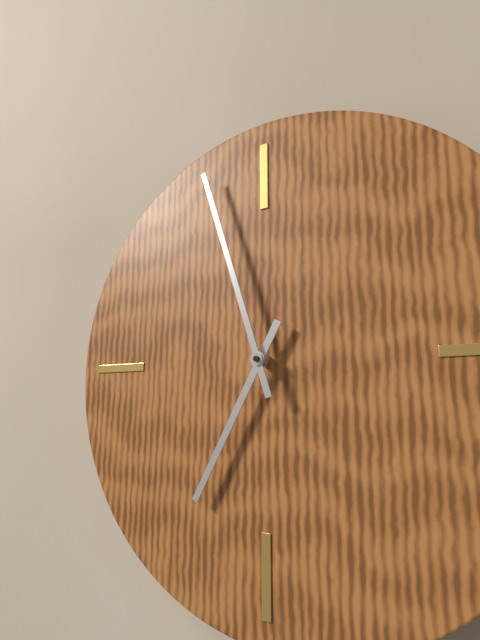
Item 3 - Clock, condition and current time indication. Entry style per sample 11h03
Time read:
6h57
